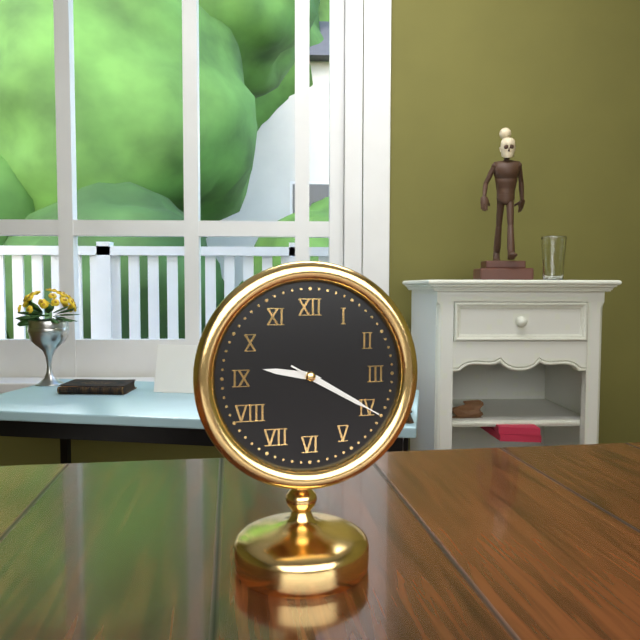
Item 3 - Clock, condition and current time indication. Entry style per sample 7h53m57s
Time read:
9h20m20s
